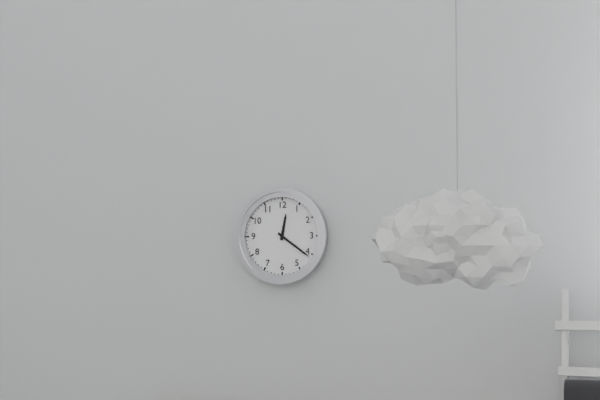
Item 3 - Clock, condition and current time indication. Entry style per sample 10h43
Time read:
12h21
